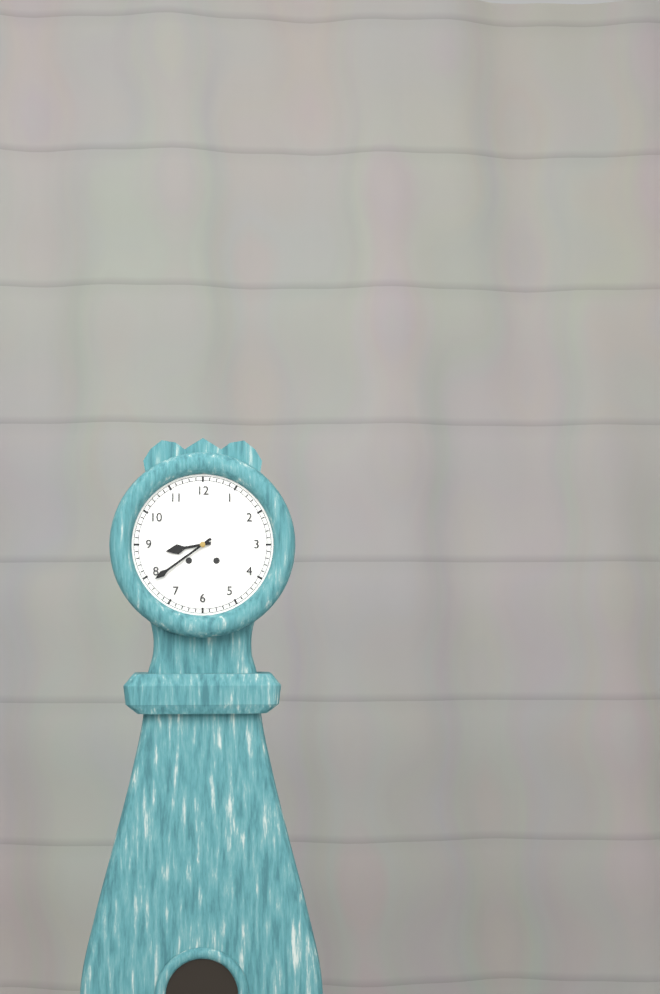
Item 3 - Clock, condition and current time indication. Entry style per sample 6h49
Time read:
8h39
